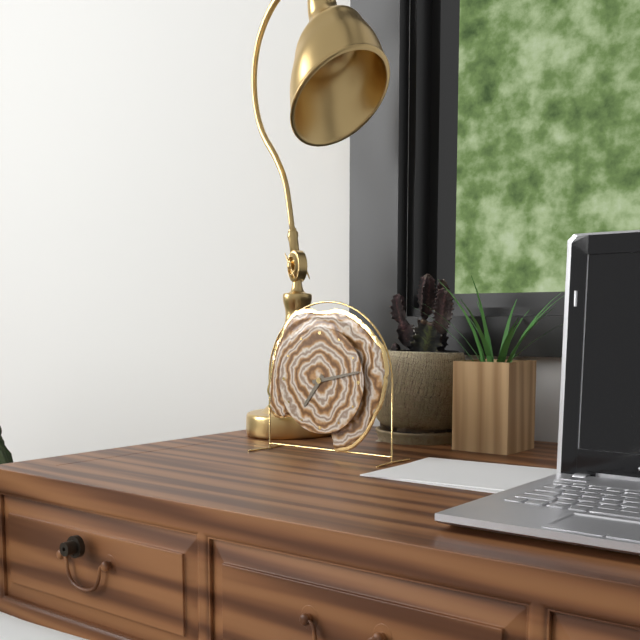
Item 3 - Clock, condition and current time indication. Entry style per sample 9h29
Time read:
7h13
